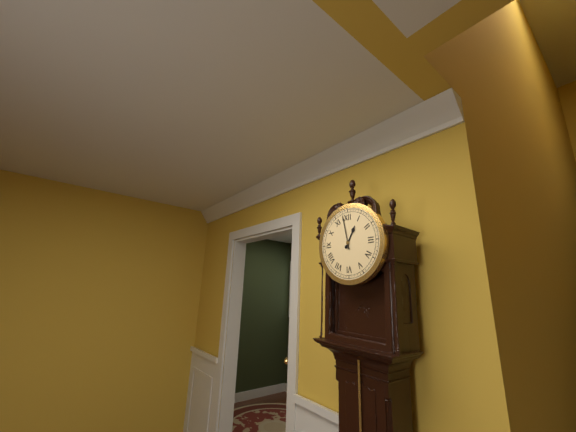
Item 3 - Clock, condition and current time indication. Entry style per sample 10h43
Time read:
12h58
